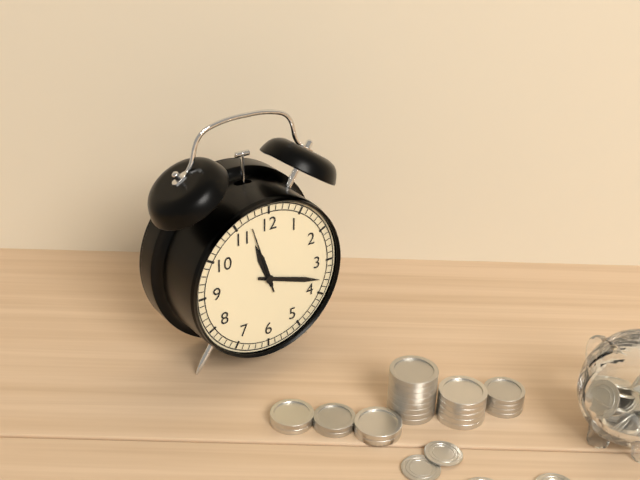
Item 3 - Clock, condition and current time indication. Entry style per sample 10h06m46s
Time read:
11h18m57s
